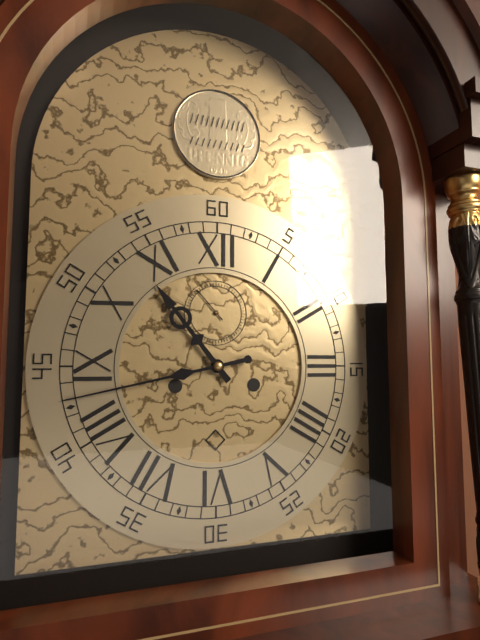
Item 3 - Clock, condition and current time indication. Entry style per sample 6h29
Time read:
10h43
